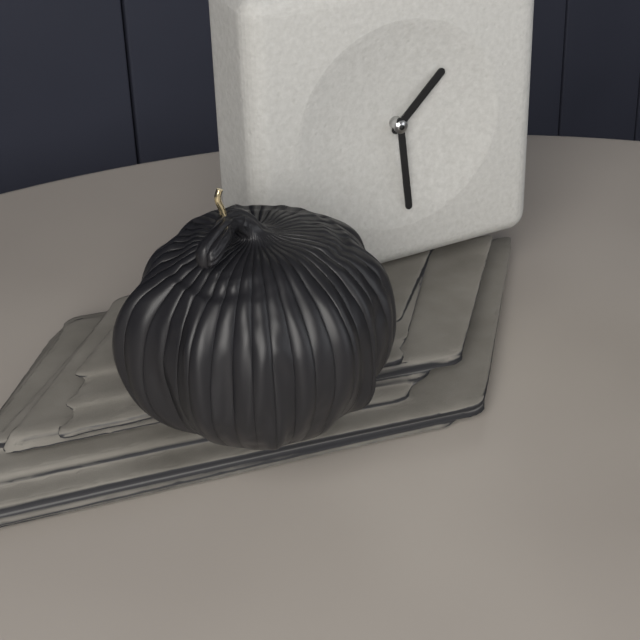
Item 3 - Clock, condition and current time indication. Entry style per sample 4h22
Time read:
1h29
